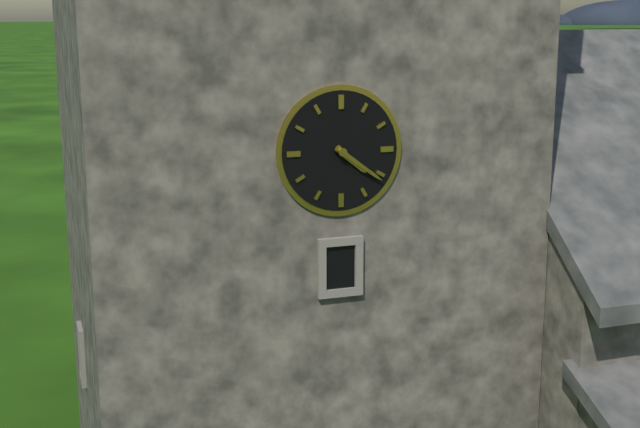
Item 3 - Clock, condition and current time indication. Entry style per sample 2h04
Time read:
4h21
